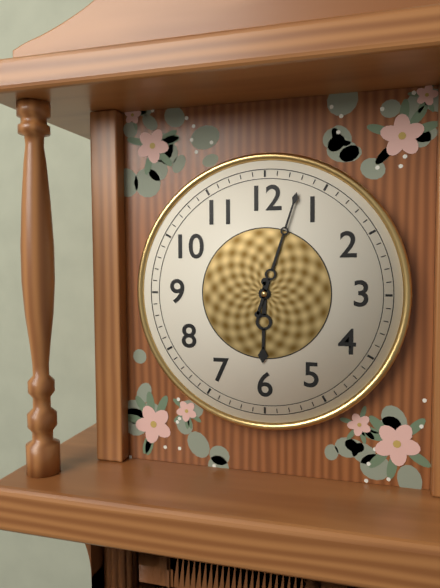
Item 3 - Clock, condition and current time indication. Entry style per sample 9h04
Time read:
6h03
